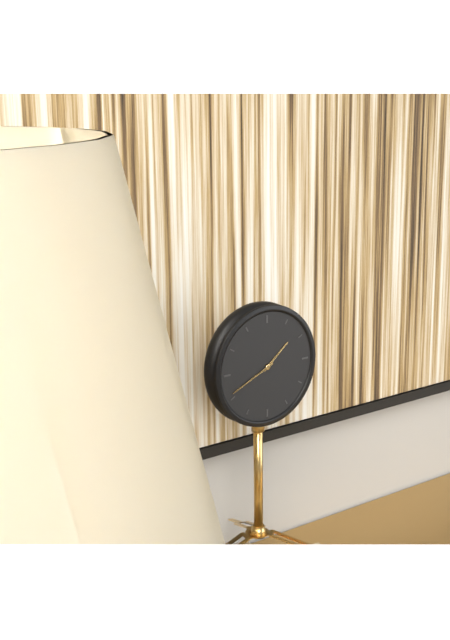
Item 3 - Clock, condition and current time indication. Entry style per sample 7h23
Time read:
1h41
